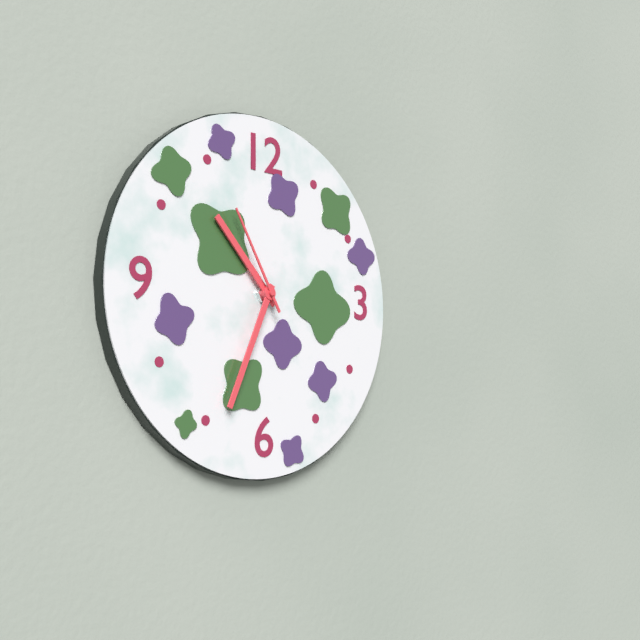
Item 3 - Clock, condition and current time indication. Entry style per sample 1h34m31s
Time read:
10h34m55s
